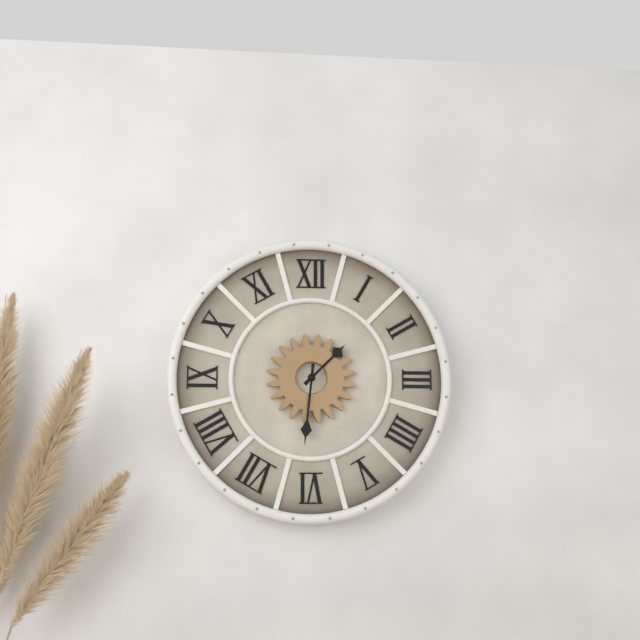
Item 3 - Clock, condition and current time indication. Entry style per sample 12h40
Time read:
1h31
